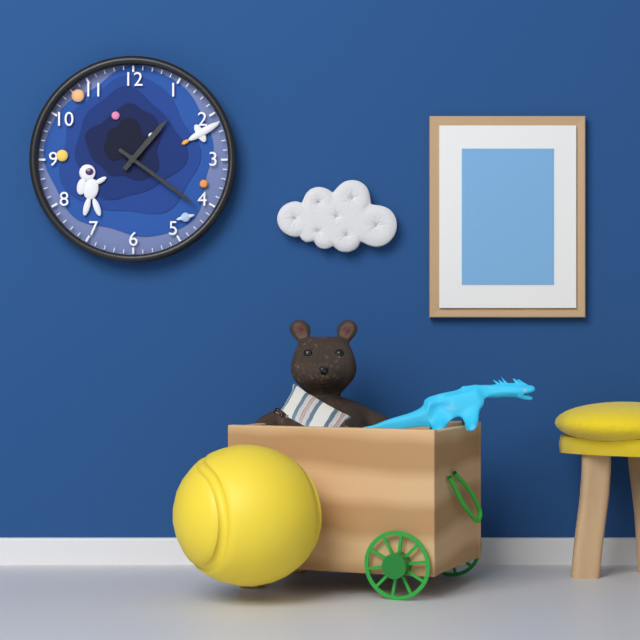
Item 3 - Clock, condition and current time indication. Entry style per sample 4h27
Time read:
1h21
